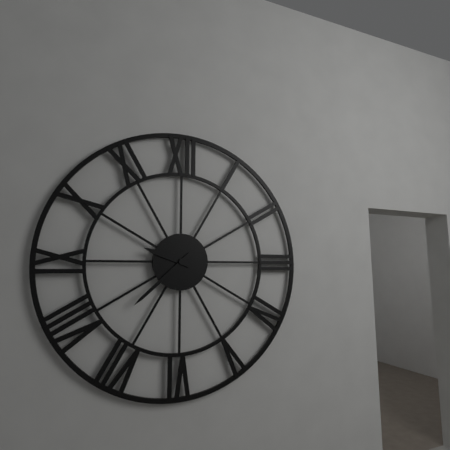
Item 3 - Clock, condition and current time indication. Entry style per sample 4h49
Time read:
9h38
